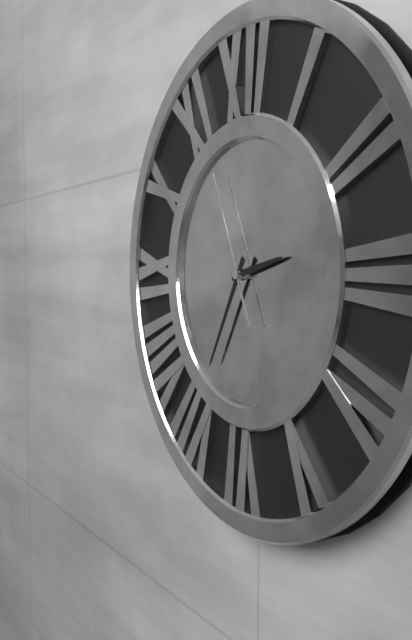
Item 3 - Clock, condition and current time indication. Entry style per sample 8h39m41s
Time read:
2h35m56s
